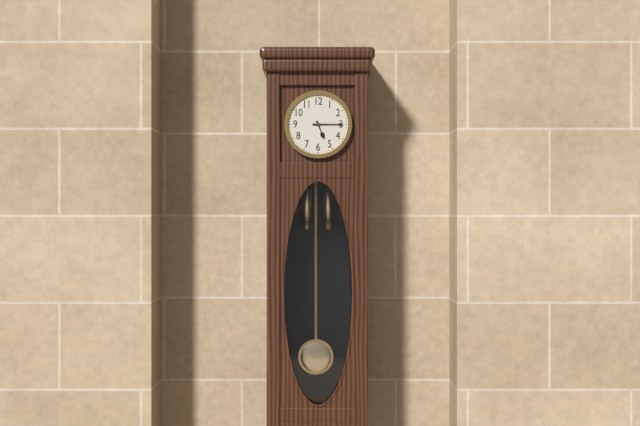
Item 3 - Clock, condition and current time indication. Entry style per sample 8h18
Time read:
5h15
